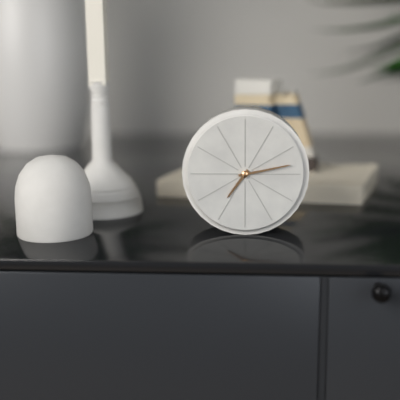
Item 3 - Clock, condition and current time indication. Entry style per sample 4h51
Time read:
7h13
